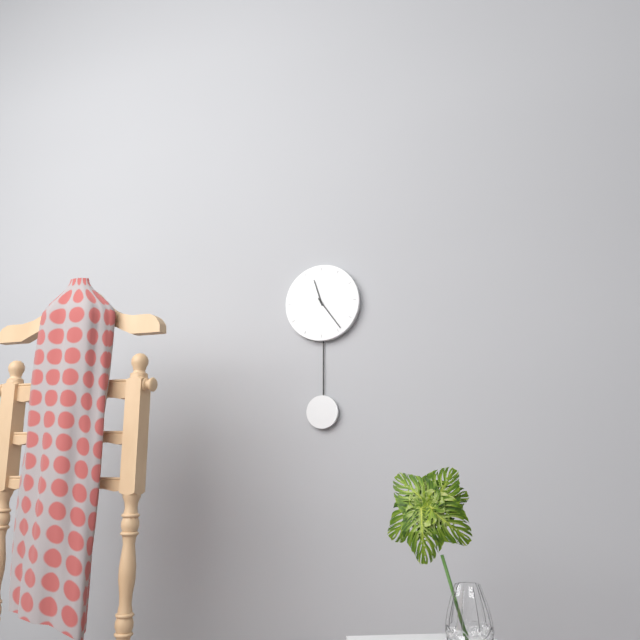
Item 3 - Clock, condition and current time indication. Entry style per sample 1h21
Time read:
11h24
